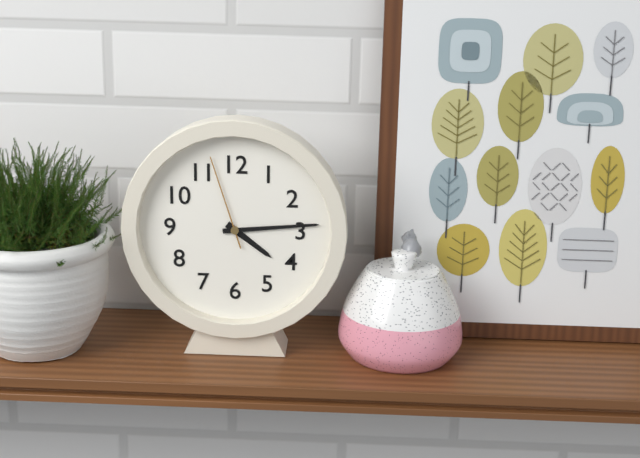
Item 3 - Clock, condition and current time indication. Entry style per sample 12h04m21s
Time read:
4h14m57s
